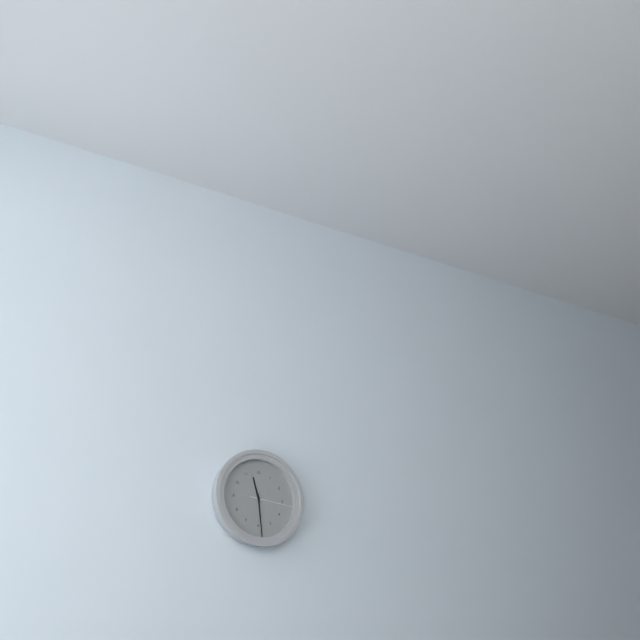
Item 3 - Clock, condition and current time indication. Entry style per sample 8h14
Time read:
11h29
